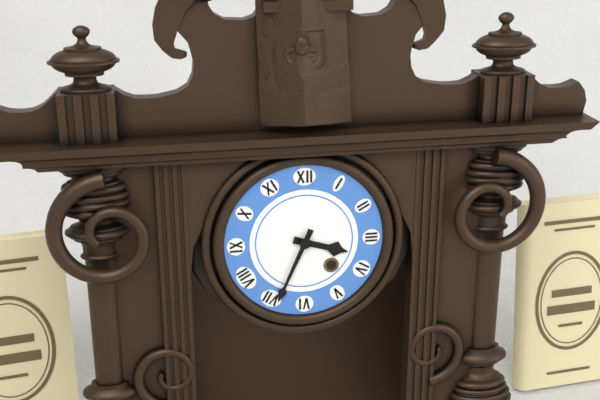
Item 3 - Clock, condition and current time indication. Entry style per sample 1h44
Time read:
3h34
